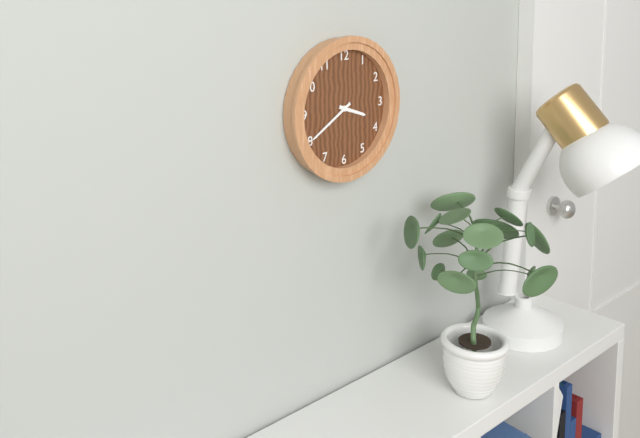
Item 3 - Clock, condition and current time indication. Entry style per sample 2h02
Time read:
3h40
